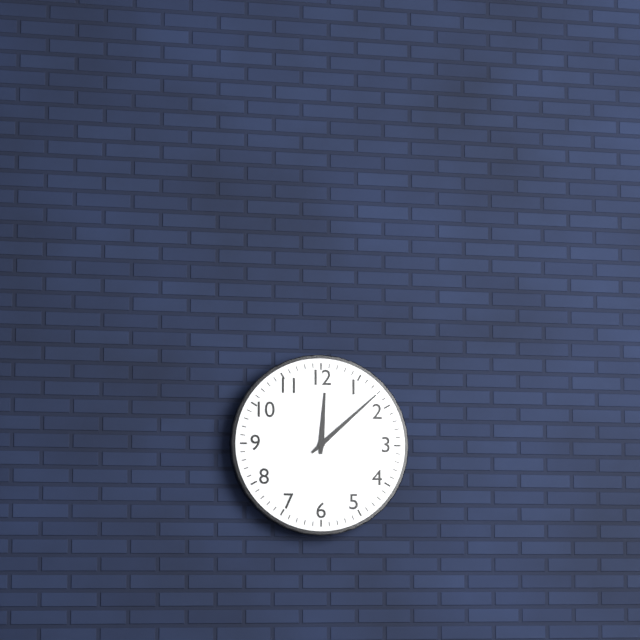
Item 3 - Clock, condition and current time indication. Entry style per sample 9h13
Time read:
12h08
